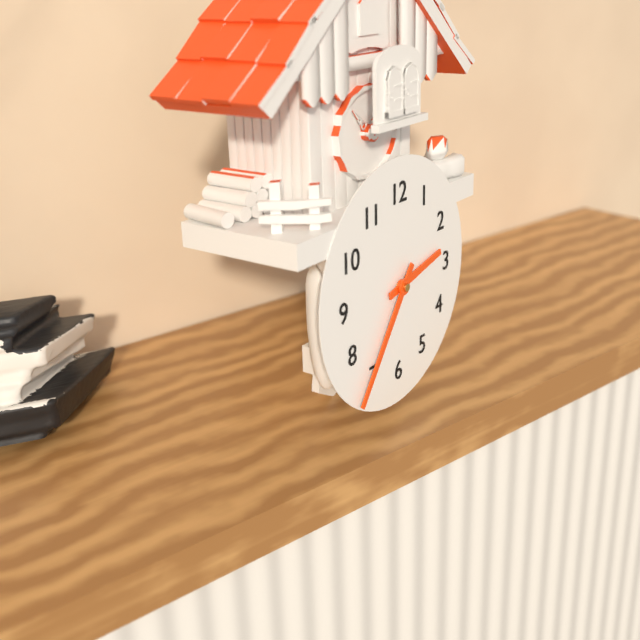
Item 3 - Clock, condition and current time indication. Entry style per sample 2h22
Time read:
2h36
